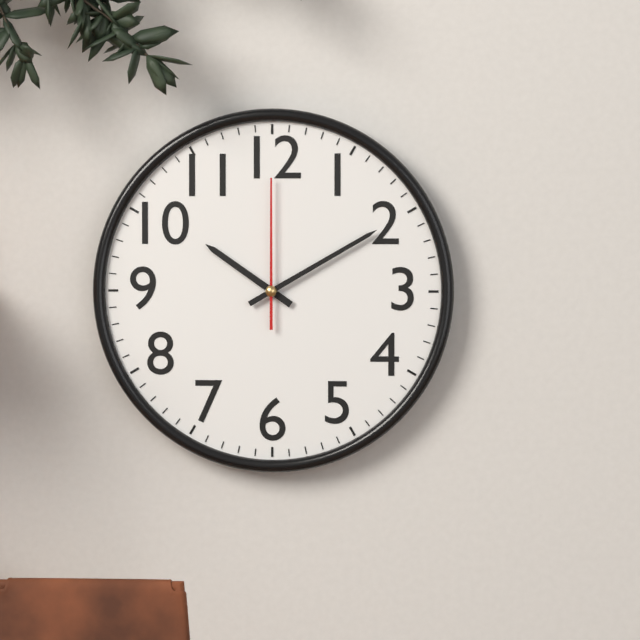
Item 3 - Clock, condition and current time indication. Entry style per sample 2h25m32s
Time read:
10h10m00s
